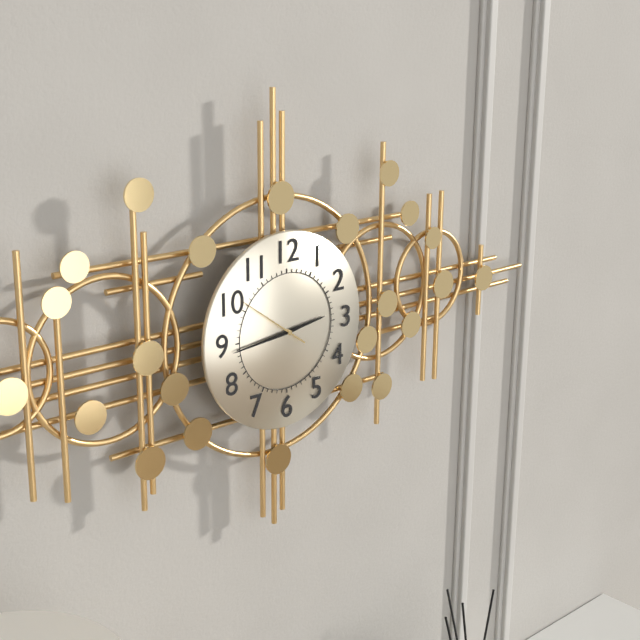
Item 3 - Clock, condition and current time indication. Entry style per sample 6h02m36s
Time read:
2h44m51s
